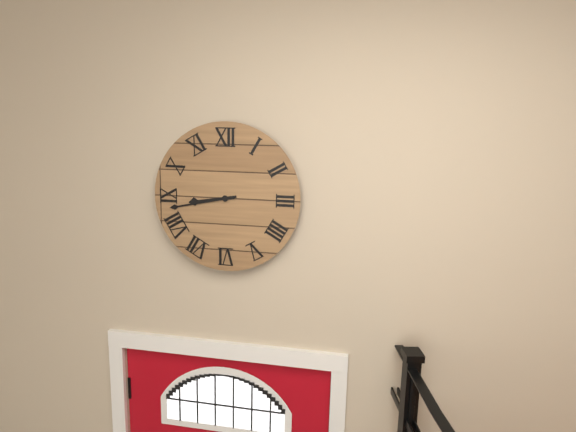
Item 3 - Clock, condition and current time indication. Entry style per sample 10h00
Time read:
8h43
